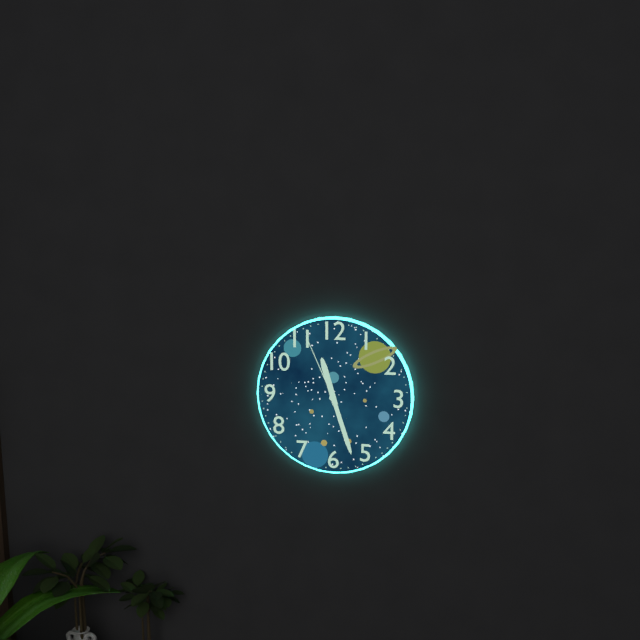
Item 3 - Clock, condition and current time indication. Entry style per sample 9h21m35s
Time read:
11h27m56s
